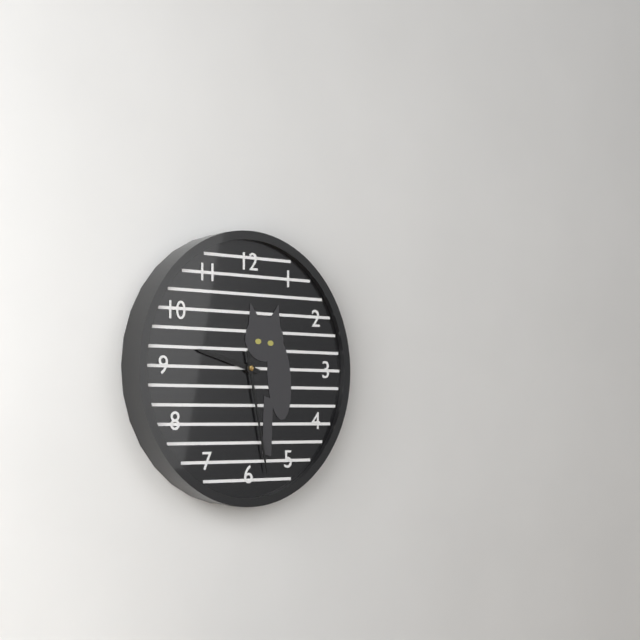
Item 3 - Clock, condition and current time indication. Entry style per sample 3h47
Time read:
9h28
